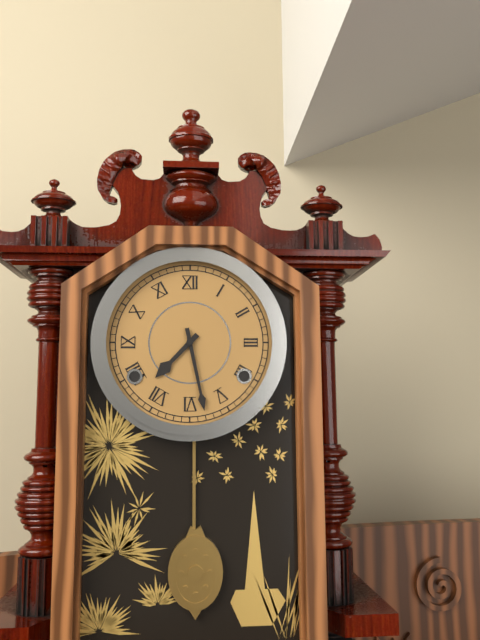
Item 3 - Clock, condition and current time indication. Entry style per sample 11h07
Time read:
7h28
